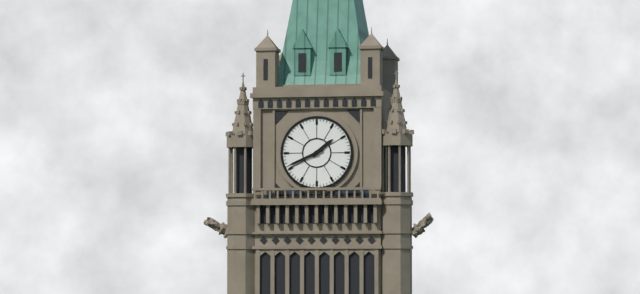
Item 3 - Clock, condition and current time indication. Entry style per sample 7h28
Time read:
1h41
